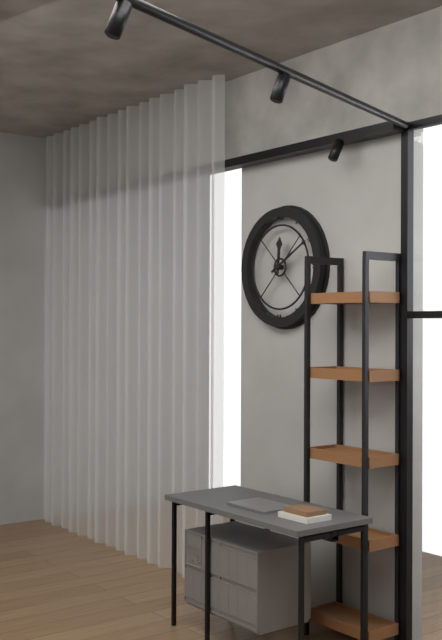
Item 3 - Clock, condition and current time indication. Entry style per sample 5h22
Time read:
12h10
